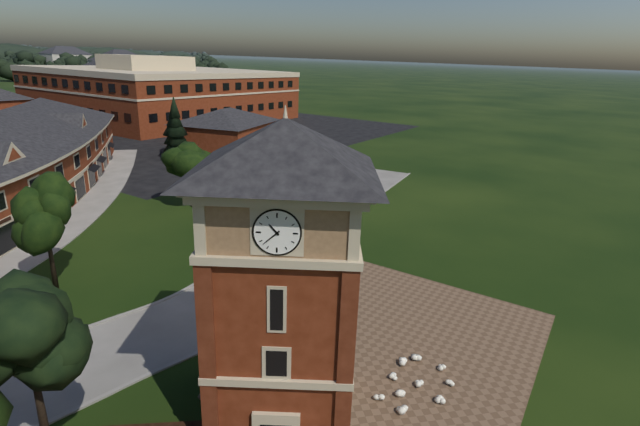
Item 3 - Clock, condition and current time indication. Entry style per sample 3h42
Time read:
10h38
